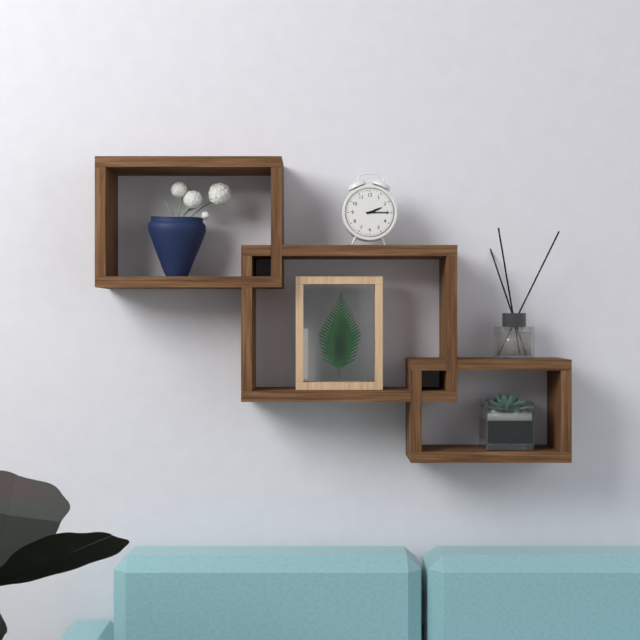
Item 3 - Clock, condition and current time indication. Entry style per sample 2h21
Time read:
2h15
